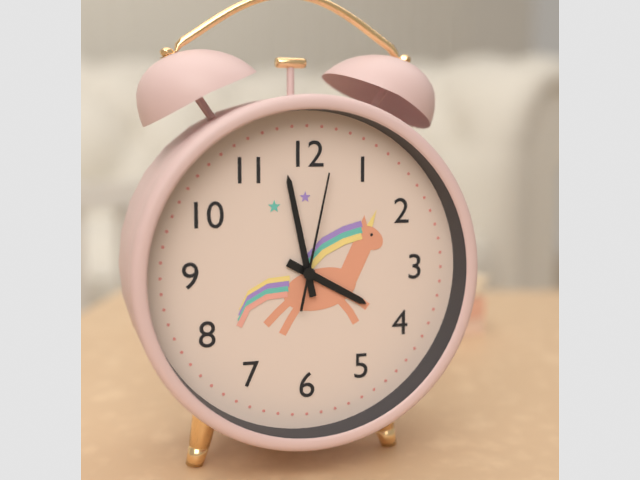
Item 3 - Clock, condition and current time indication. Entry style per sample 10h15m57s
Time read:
3h58m02s
